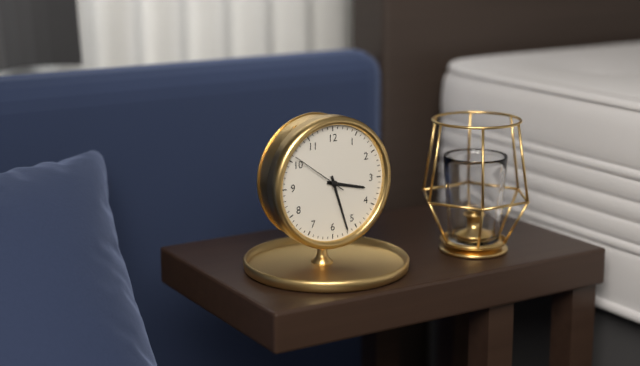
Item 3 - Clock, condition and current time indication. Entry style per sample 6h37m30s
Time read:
3h27m51s
